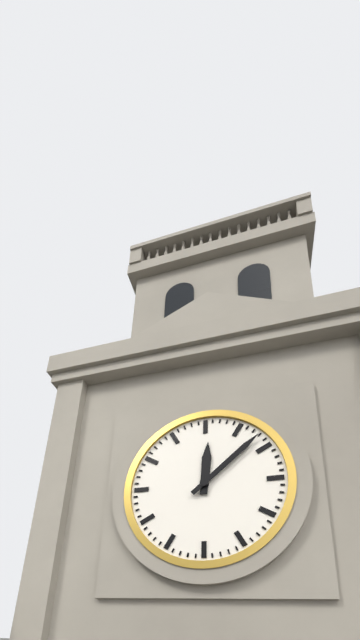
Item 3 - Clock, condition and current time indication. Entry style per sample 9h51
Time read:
12h08
